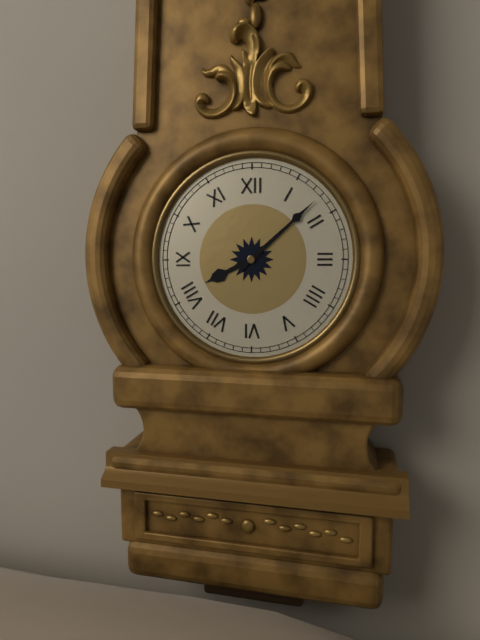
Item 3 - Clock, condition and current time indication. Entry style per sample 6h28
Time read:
8h08
